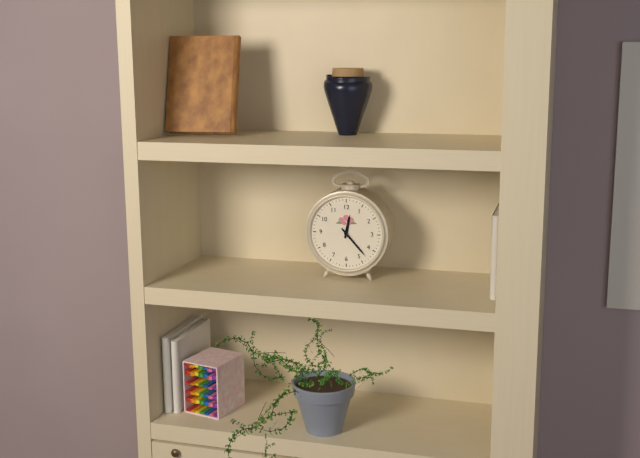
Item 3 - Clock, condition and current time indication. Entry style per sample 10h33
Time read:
12h23
